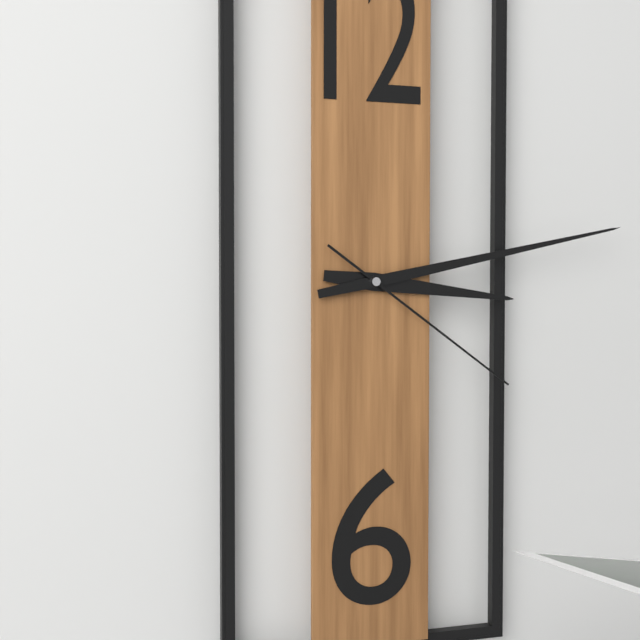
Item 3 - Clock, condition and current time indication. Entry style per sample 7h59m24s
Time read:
3h13m21s
